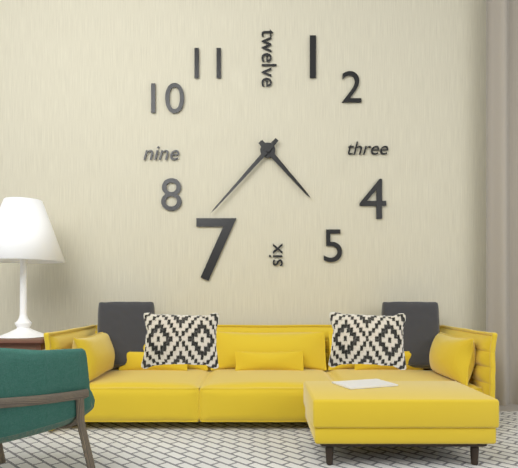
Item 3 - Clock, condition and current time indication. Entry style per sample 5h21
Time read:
4h37
